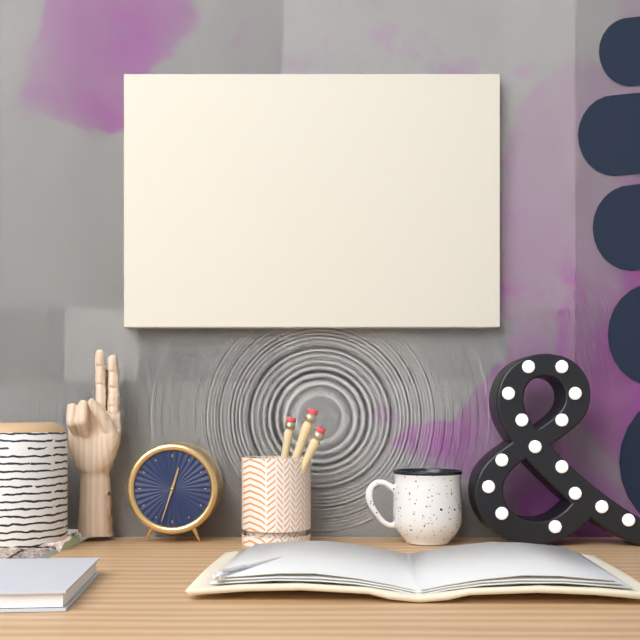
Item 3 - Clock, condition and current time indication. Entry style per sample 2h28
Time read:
12h33
